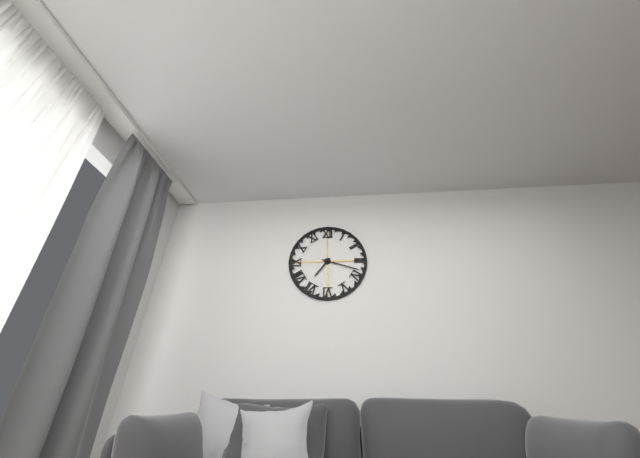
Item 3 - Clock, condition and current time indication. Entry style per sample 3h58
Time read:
7h18
